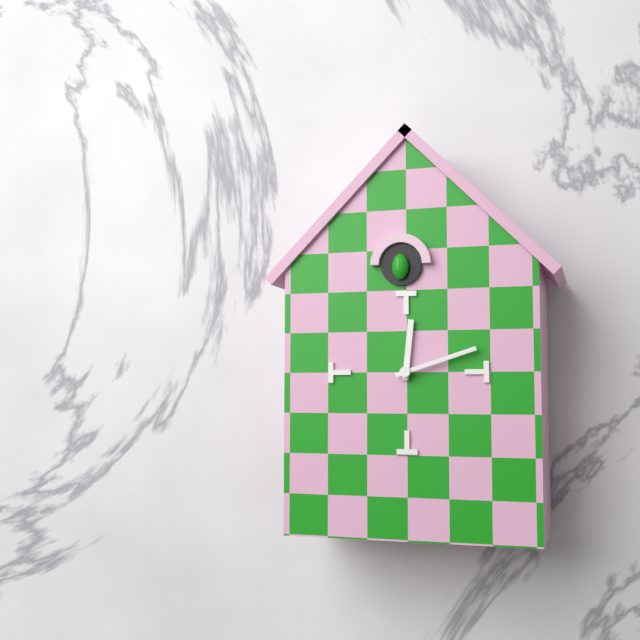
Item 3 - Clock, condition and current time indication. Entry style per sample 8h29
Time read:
12h12
